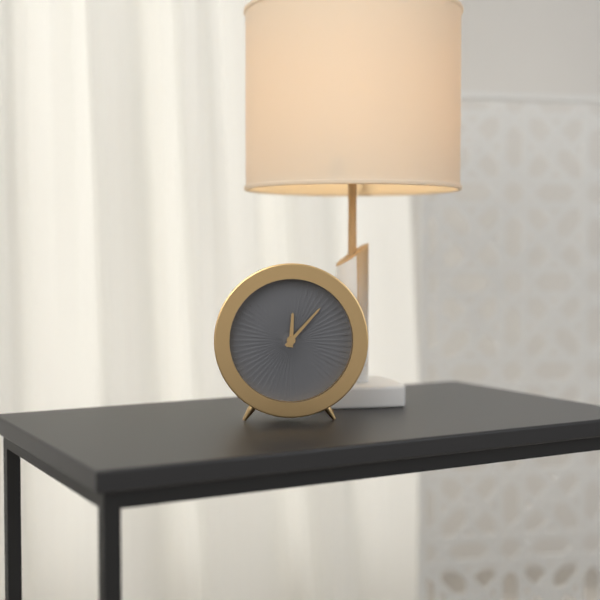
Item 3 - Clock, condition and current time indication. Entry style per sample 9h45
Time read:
12h07
